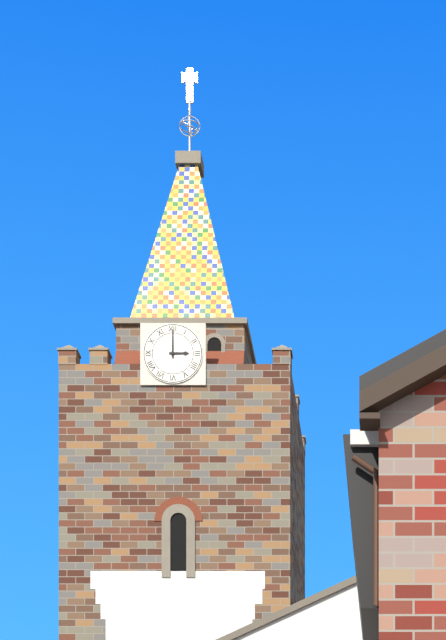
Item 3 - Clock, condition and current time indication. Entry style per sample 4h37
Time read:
3h00
